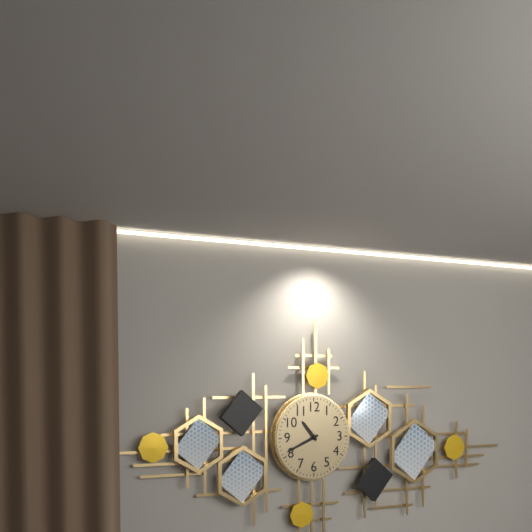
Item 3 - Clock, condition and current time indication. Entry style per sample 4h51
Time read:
10h41
